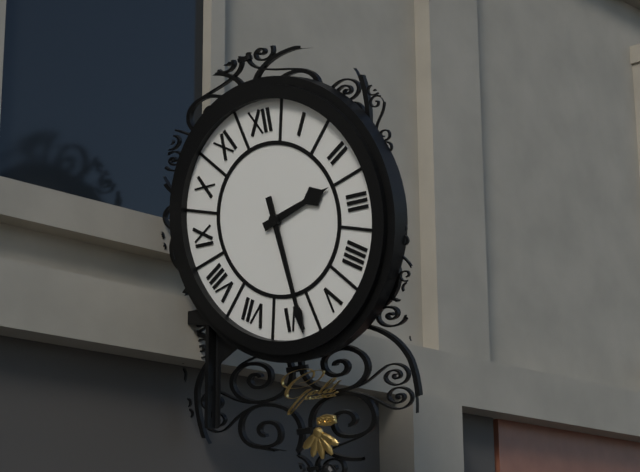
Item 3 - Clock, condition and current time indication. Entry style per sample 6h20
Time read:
2h29
